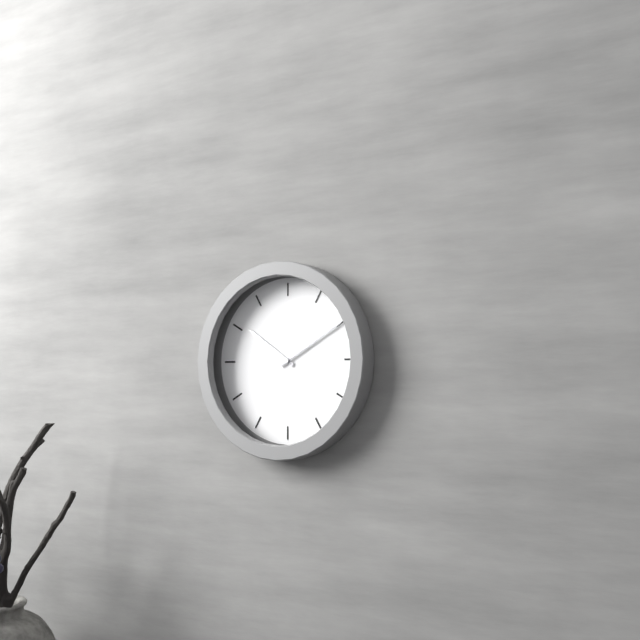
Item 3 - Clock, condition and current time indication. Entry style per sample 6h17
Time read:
10h10
